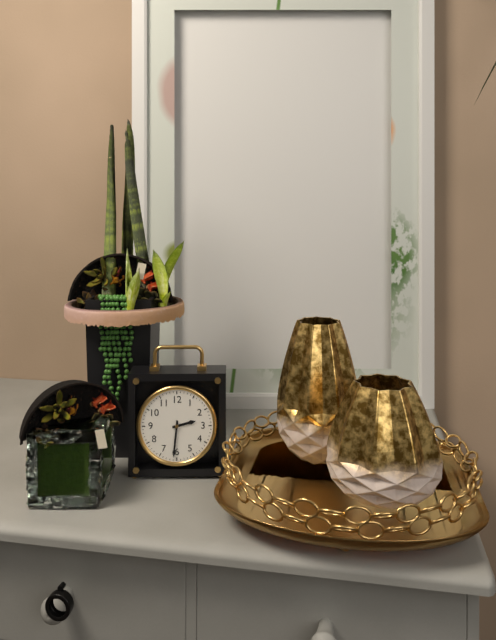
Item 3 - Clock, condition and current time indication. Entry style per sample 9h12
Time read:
2h31
